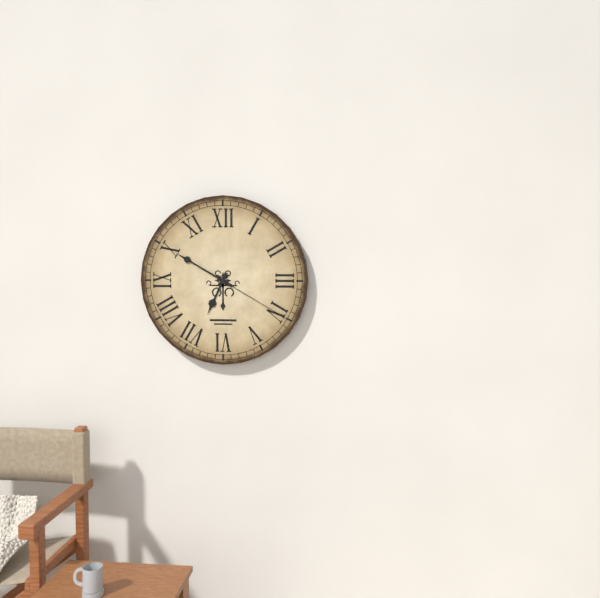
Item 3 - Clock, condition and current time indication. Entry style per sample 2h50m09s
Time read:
6h50m20s
